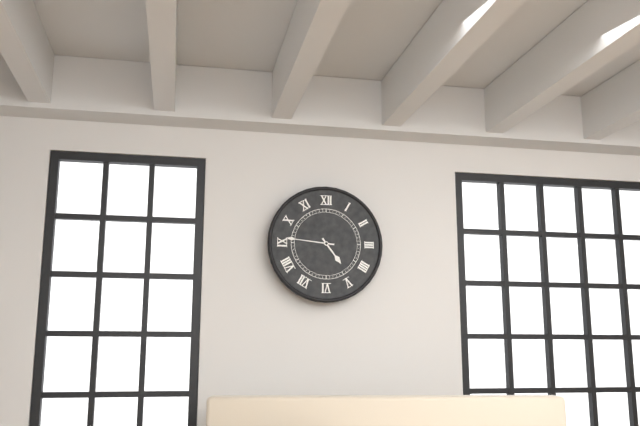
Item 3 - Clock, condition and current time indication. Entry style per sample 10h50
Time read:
4h46
